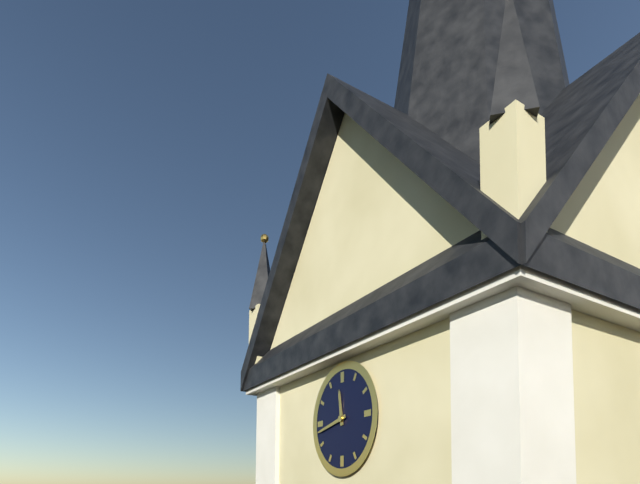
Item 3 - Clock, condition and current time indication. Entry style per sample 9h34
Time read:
11h43
